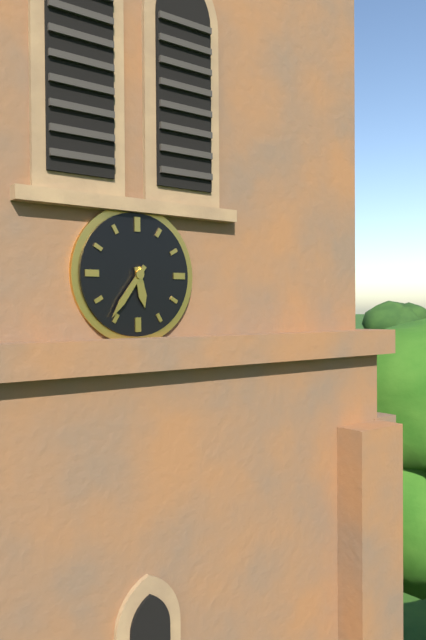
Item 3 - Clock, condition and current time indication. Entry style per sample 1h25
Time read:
5h36
